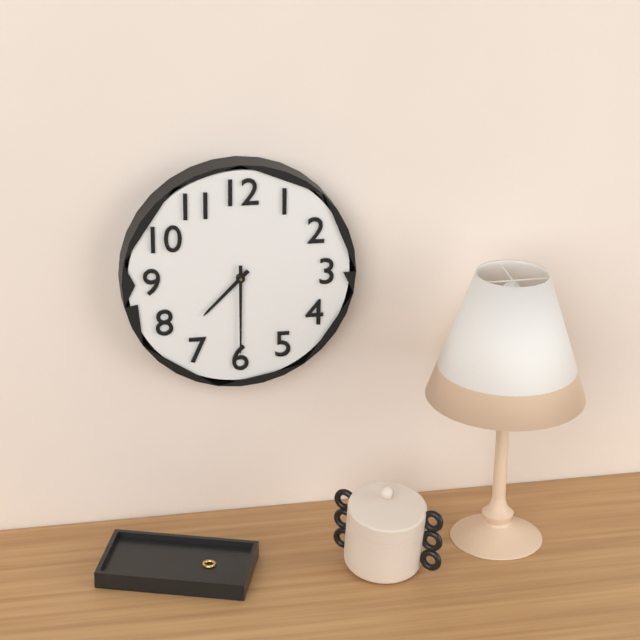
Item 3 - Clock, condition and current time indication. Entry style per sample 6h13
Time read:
7h30
